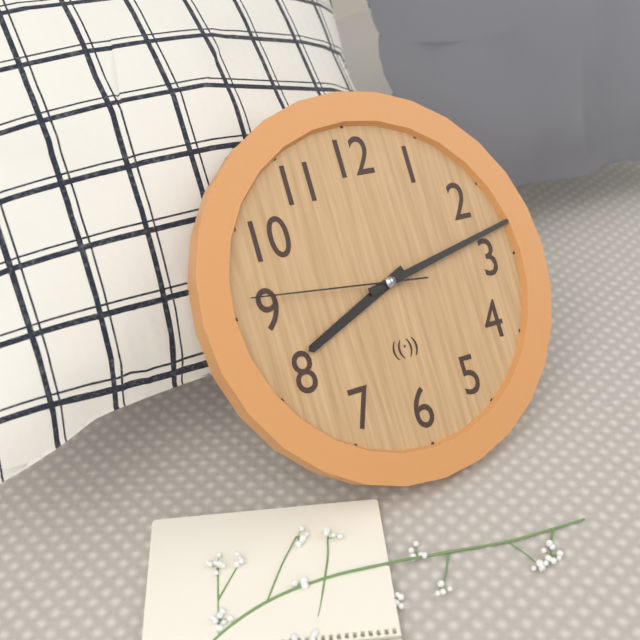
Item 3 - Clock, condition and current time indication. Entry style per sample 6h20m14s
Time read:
8h13m46s
